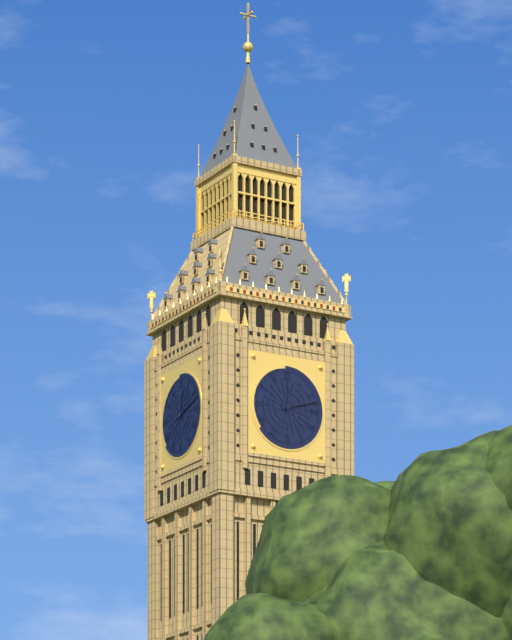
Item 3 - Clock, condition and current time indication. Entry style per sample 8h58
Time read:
12h12
